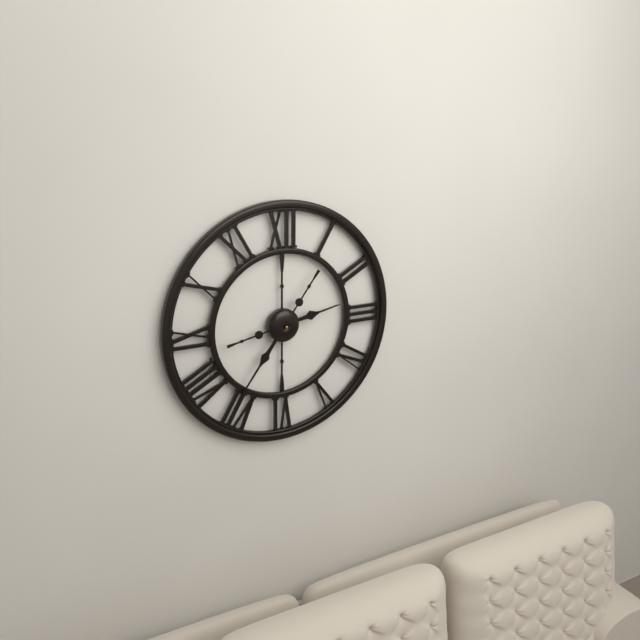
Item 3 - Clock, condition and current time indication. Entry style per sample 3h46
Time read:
2h36
